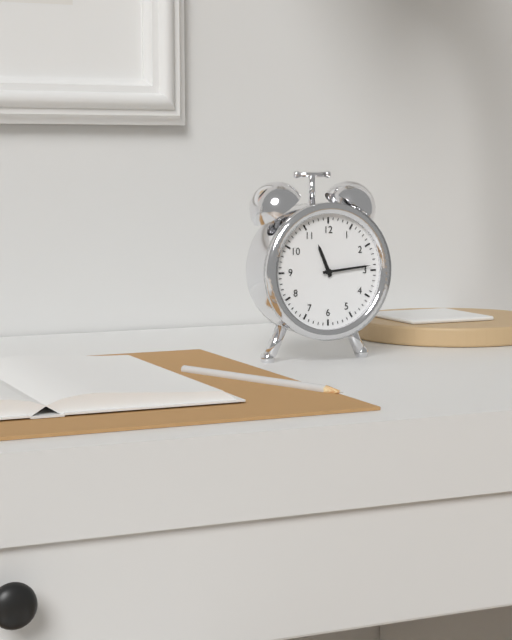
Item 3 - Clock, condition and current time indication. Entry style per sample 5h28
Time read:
11h14
